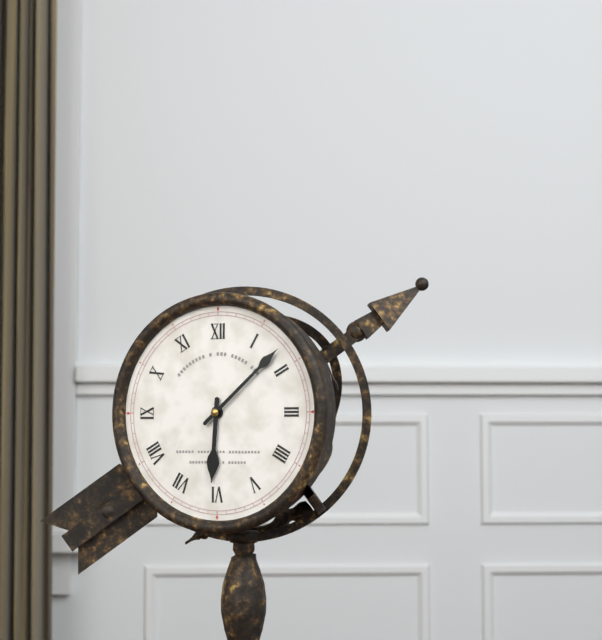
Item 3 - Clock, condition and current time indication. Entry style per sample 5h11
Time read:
6h08
